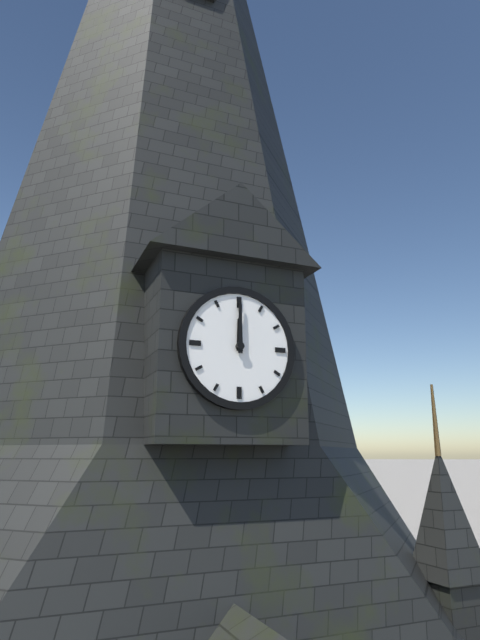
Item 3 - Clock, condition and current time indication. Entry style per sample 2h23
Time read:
12h00
